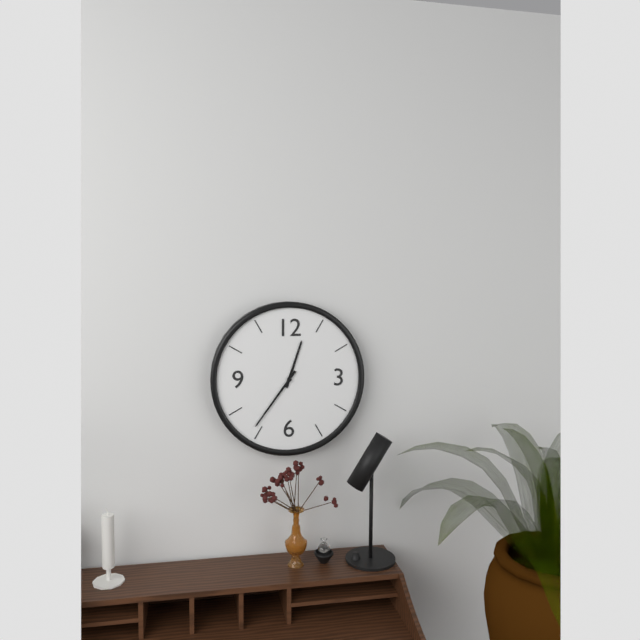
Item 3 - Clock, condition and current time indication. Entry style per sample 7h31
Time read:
12h36
